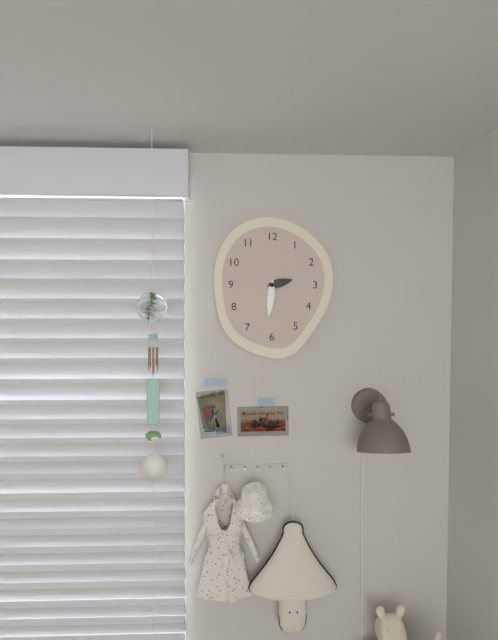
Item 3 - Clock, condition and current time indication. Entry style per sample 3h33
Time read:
2h31
